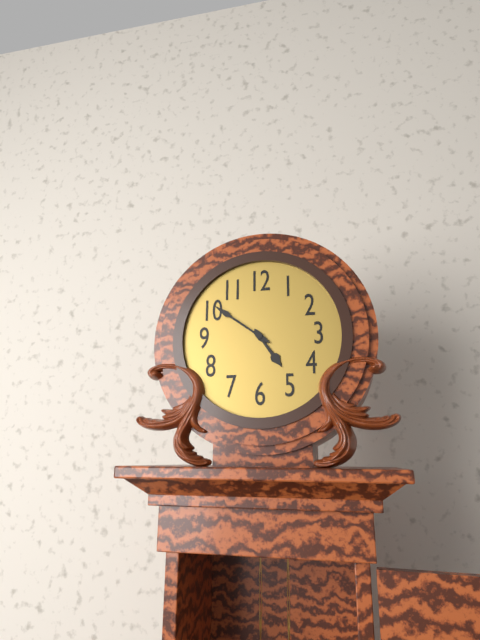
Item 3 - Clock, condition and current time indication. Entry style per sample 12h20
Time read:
4h51
